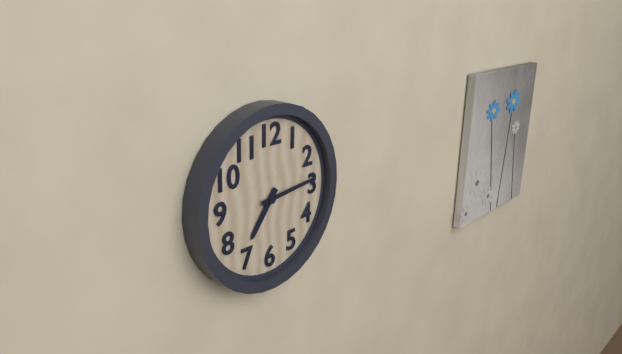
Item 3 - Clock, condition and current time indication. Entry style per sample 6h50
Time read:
7h14
